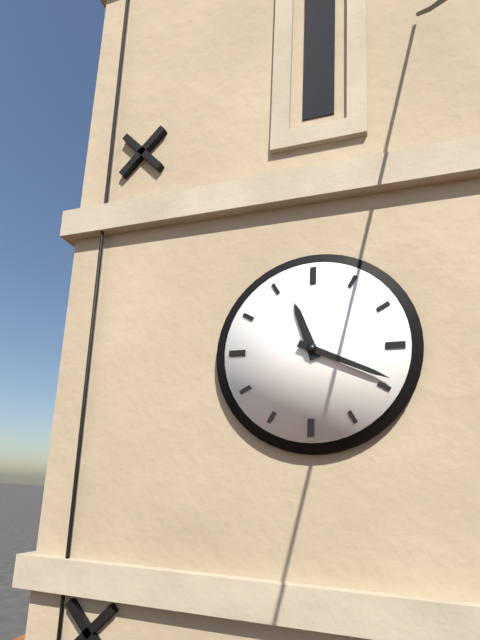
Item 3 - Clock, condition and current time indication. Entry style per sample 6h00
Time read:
11h19
